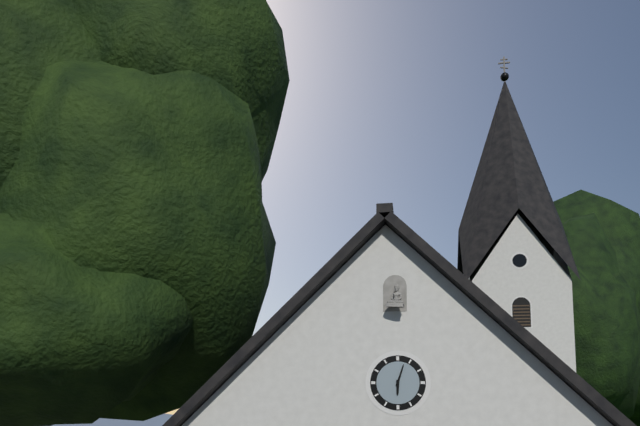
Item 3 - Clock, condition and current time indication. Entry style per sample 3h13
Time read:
6h03
